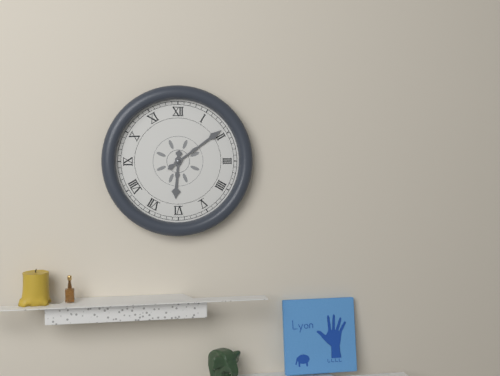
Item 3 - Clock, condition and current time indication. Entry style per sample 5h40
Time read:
6h09
